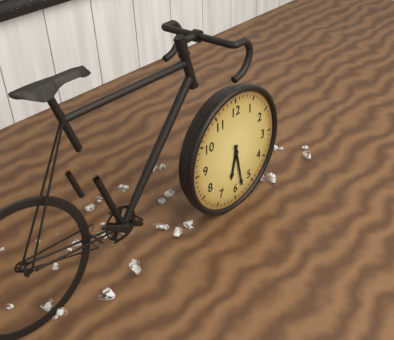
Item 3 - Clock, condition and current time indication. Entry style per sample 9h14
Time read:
6h28
